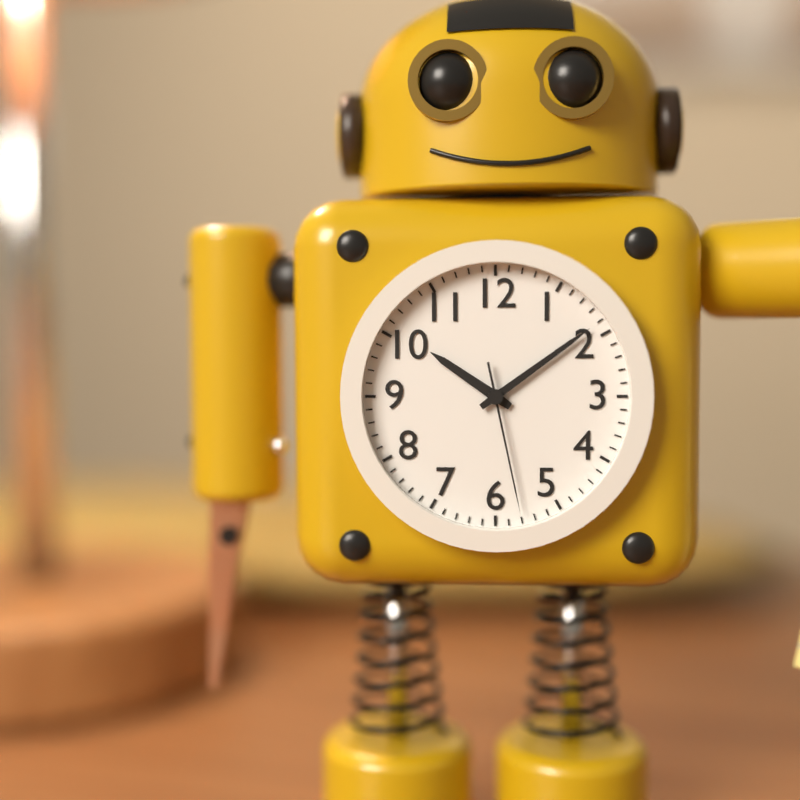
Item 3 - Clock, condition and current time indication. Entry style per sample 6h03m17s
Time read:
10h09m28s
